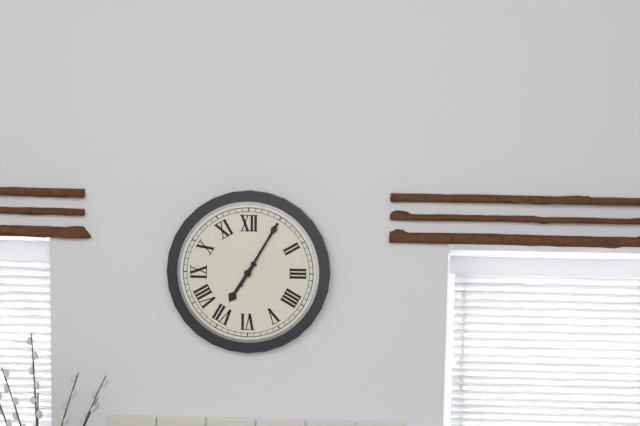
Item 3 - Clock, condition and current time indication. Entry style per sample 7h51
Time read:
7h05
